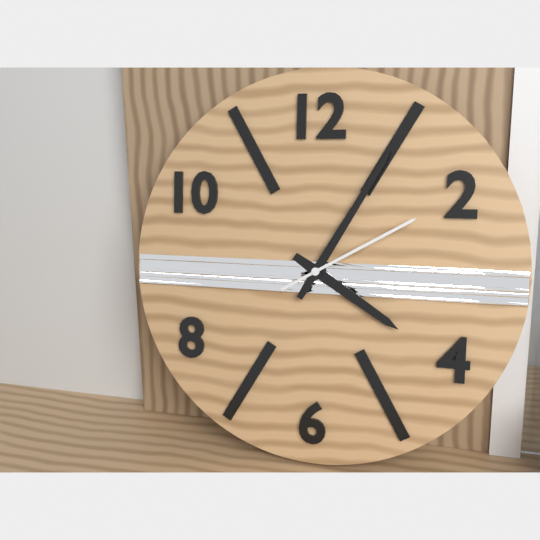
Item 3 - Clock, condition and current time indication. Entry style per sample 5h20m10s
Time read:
4h05m10s
